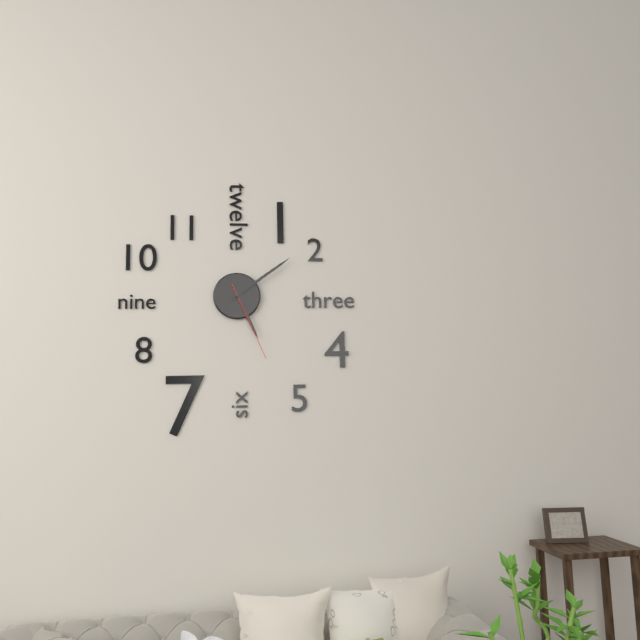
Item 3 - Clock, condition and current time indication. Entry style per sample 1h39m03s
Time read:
5h09m26s
